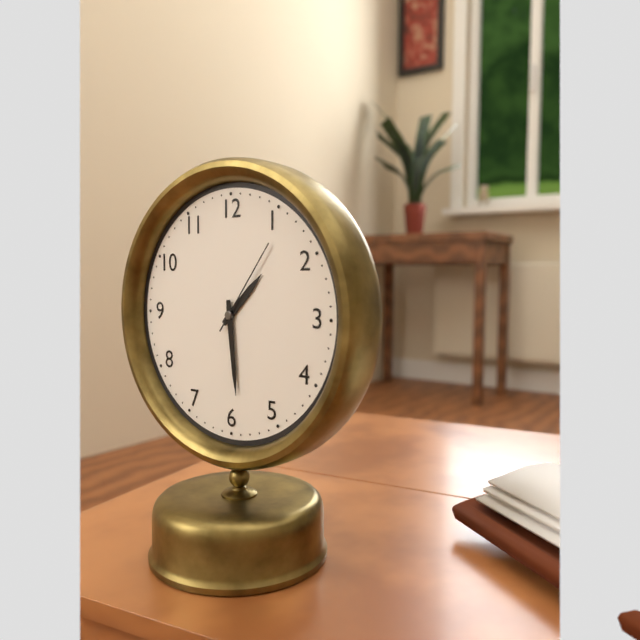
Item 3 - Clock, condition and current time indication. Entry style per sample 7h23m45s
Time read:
1h29m06s
